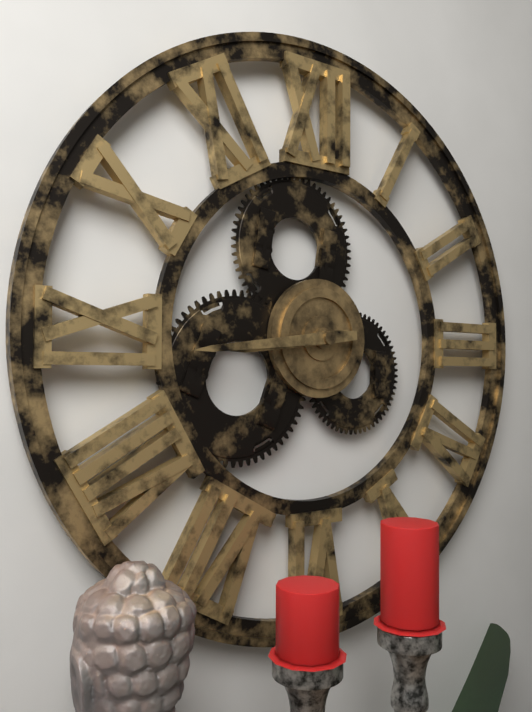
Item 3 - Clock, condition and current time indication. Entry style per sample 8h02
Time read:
8h44
